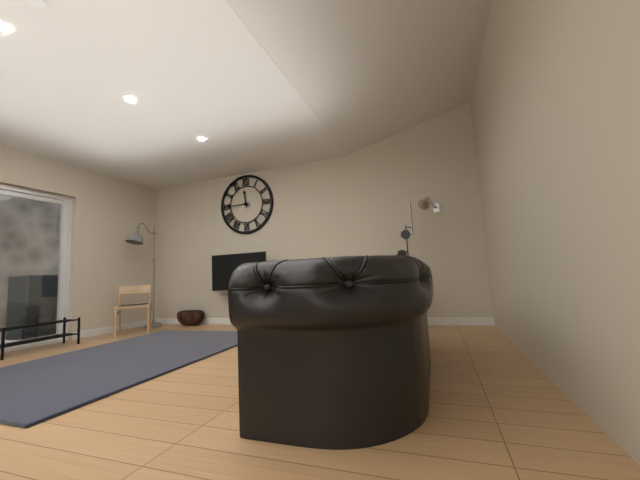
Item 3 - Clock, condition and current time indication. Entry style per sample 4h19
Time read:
11h45
